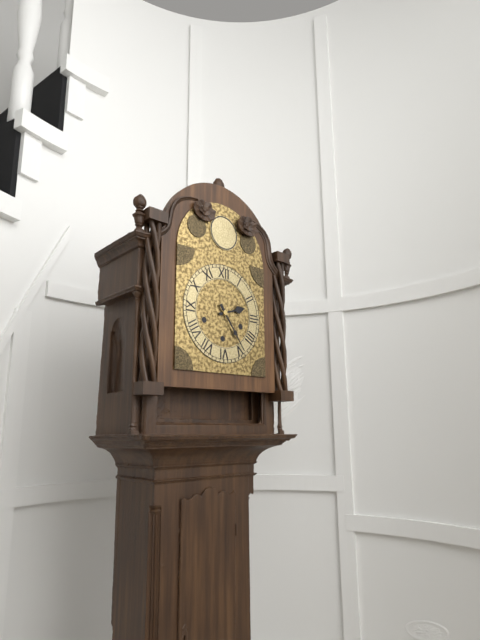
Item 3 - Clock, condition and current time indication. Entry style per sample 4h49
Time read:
2h24
